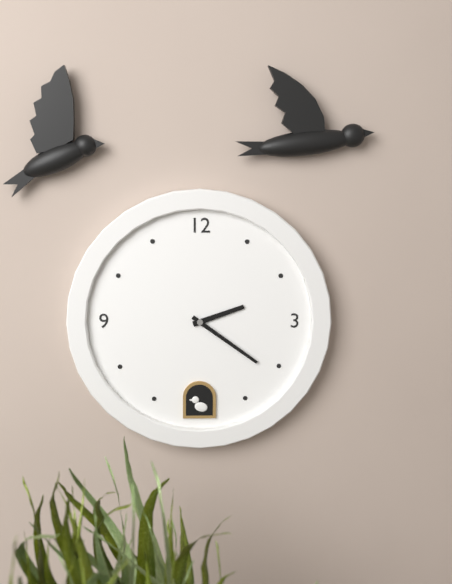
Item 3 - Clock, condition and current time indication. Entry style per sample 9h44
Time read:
2h21
